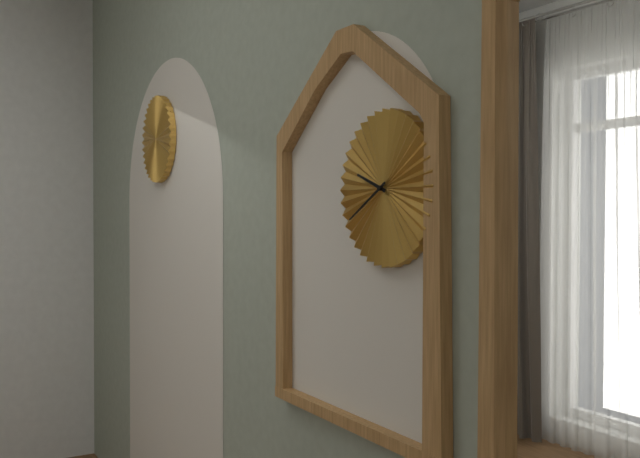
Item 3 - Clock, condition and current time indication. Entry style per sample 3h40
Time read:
9h40
